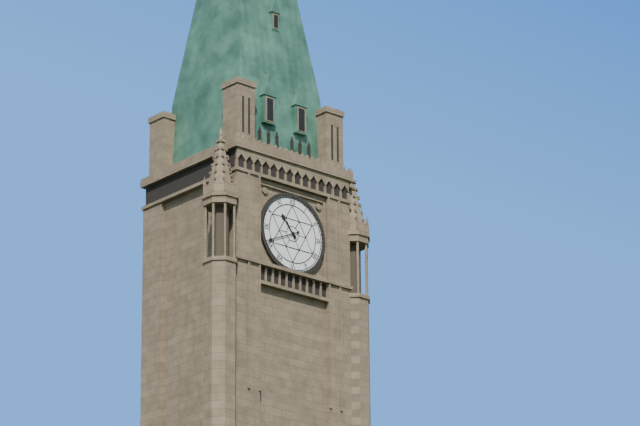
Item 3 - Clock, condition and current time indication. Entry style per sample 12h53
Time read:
10h41
